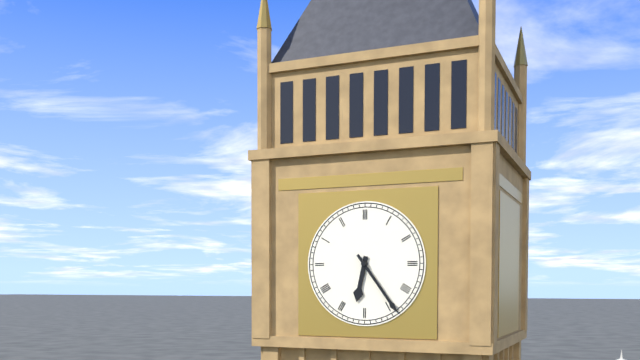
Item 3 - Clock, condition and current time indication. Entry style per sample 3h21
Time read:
6h24
